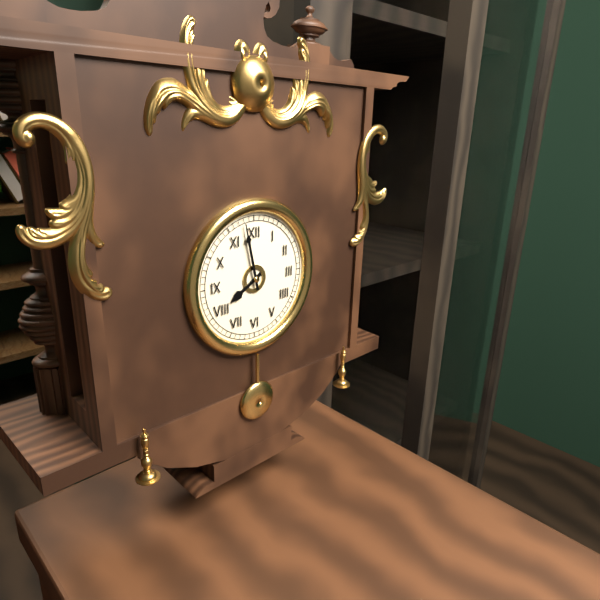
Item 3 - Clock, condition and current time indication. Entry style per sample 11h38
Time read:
7h58
